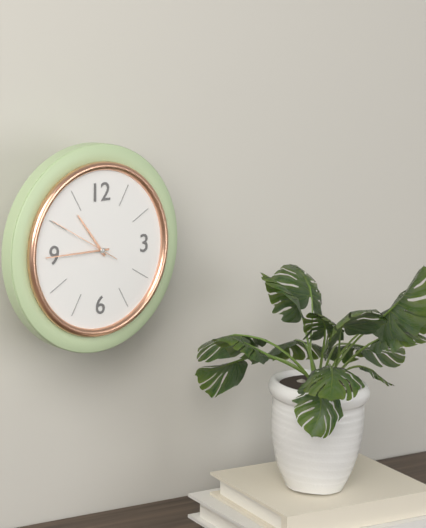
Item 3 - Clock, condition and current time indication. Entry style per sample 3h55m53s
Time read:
10h45m50s
